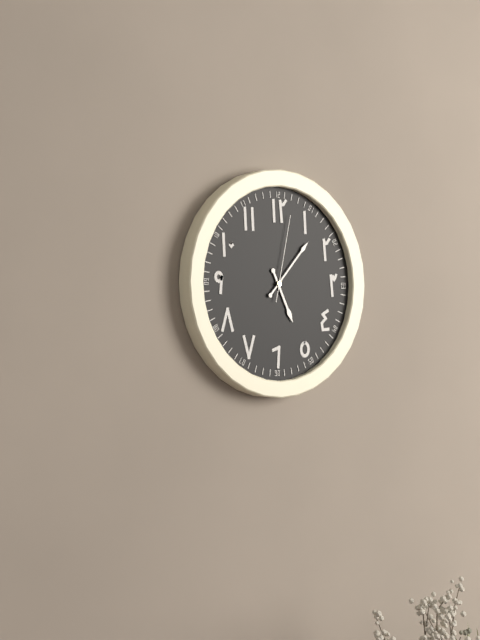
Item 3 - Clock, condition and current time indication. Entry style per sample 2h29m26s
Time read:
5h07m02s
